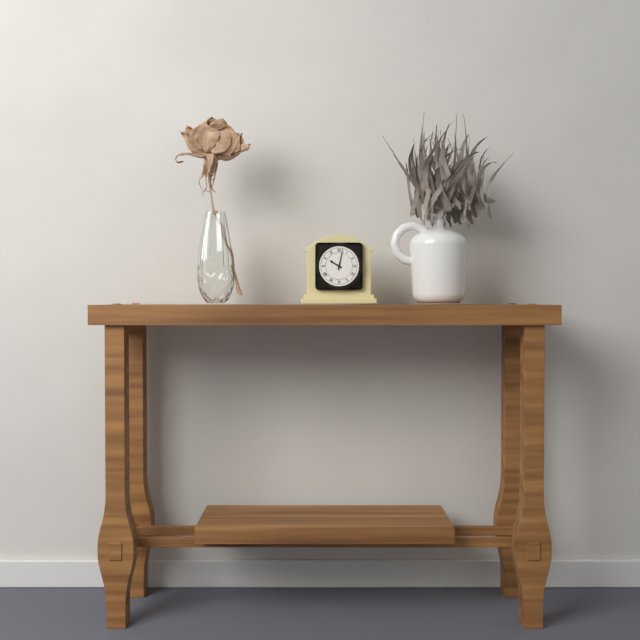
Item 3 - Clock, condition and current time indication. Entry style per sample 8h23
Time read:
10h02
